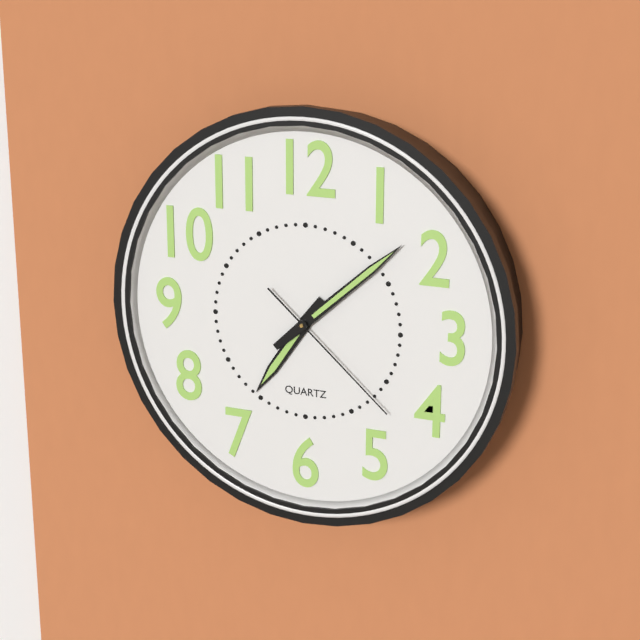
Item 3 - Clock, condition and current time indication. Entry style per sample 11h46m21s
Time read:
7h08m22s
